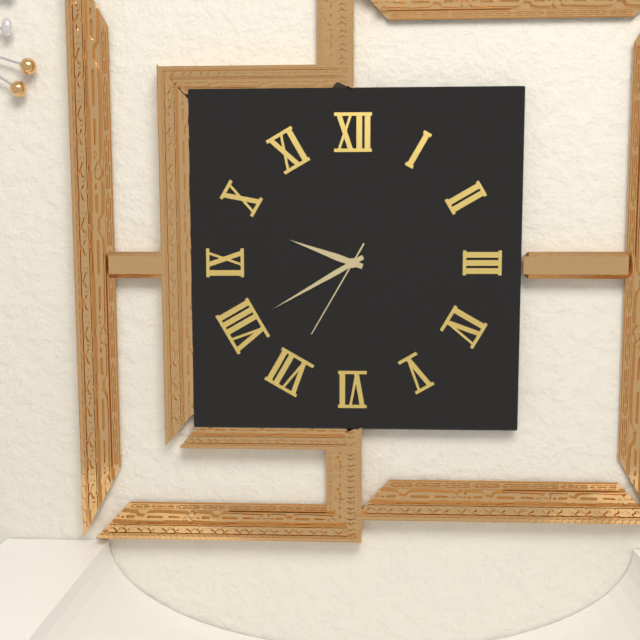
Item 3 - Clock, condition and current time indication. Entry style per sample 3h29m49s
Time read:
9h40m35s
